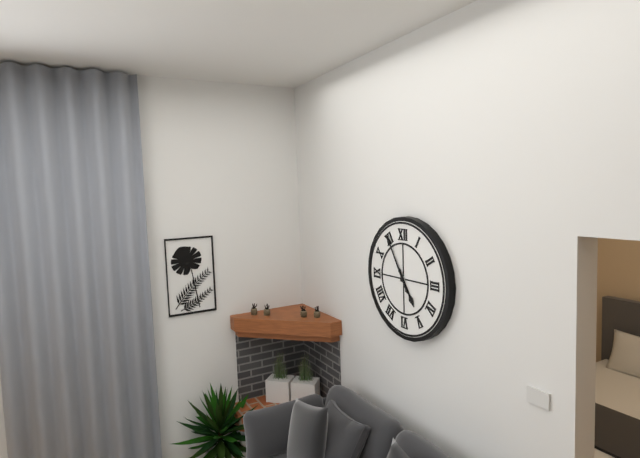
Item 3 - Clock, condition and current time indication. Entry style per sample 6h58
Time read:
4h55
